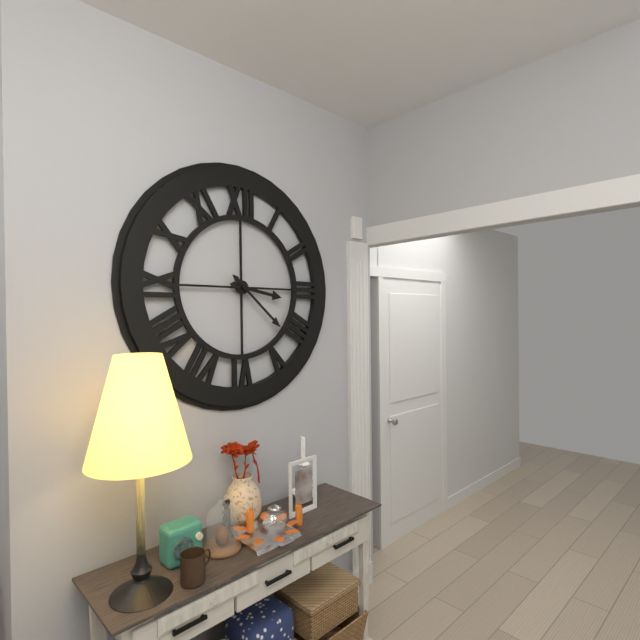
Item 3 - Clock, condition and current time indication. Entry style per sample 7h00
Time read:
3h22
